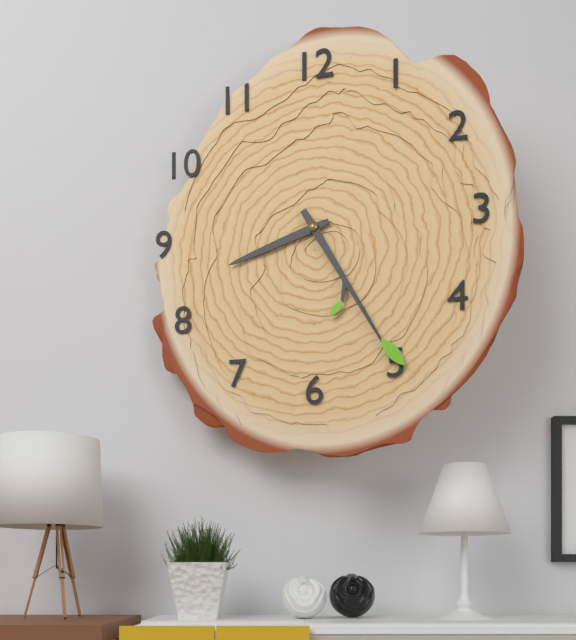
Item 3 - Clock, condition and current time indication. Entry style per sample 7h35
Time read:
8h25
